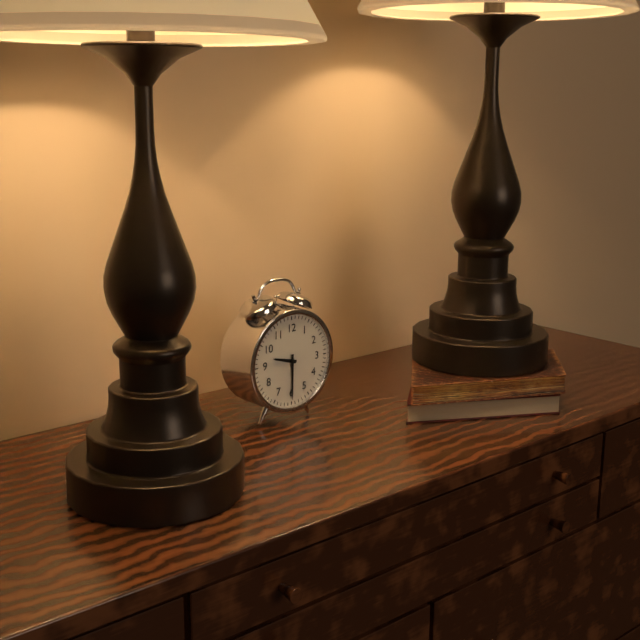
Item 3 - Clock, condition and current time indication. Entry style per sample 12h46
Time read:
9h30
